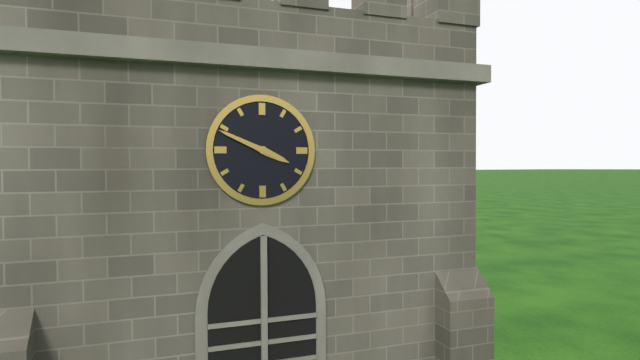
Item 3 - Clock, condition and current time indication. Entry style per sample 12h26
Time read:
3h49
